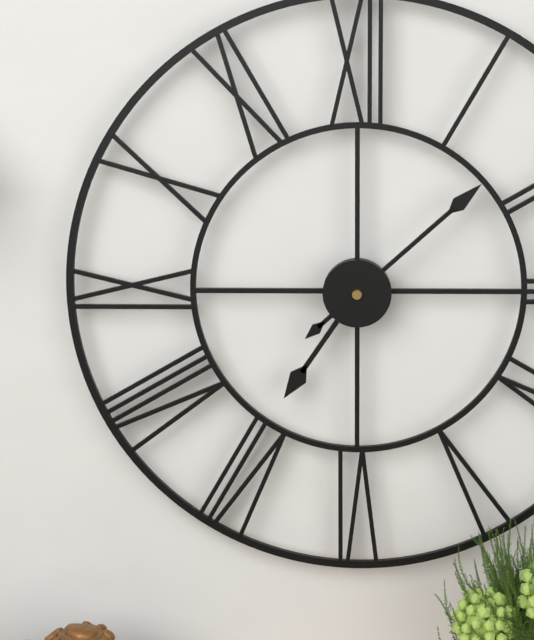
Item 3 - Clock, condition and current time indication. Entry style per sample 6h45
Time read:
7h08
